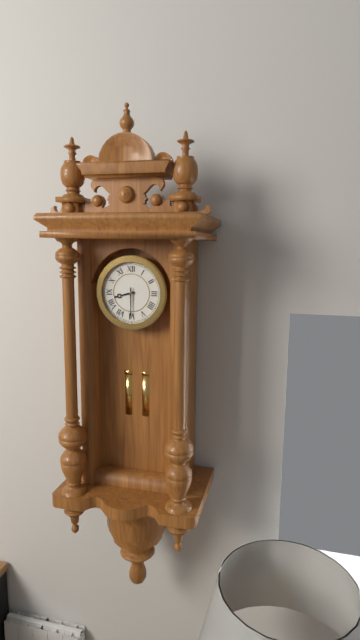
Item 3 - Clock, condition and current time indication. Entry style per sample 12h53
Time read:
8h30
